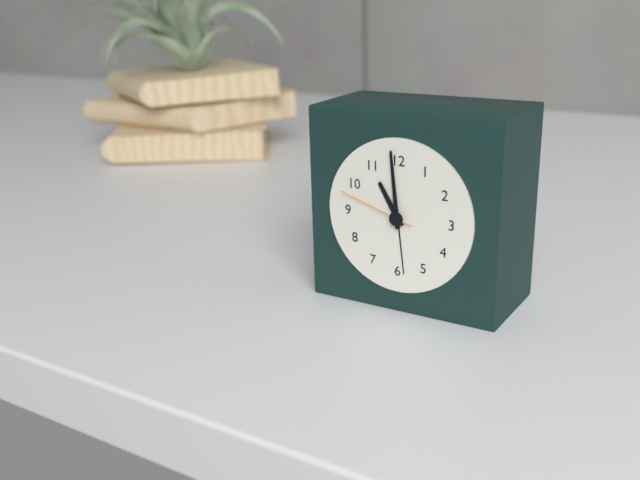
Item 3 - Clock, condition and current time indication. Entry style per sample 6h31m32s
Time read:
10h59m48s
